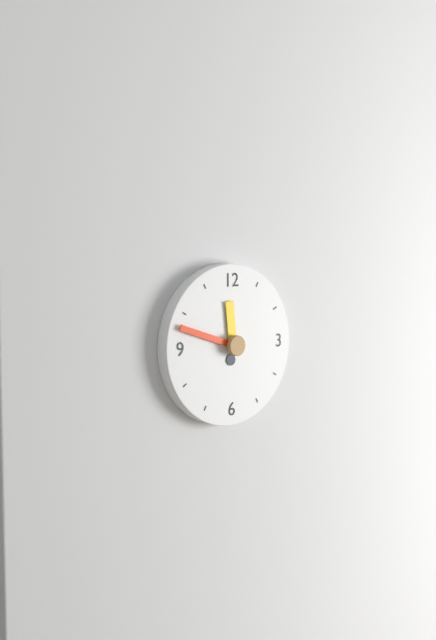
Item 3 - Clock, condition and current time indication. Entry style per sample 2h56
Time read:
11h48
